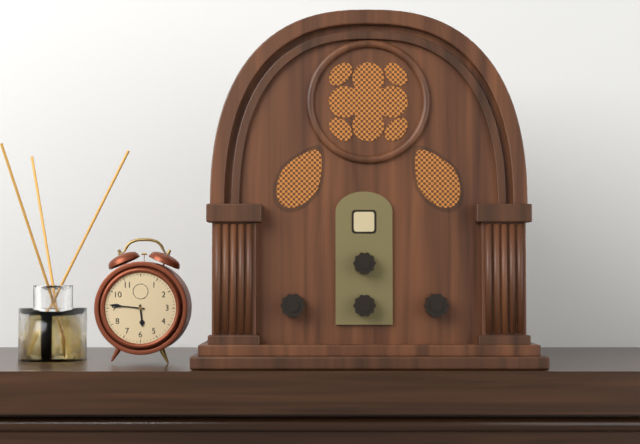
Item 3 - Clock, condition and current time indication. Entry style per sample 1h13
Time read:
5h46
